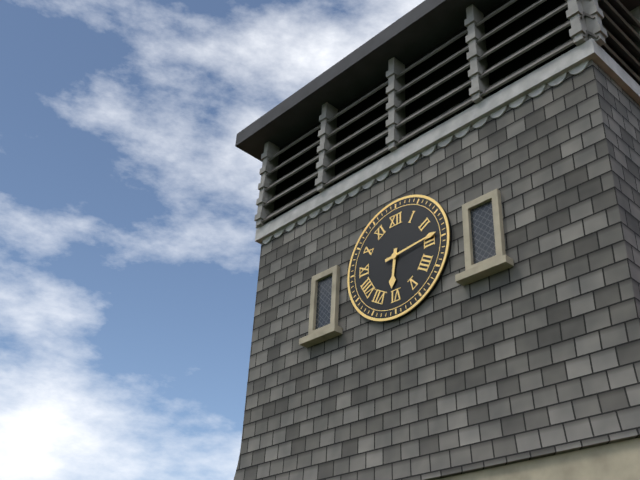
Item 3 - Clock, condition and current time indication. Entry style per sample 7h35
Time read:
6h14
